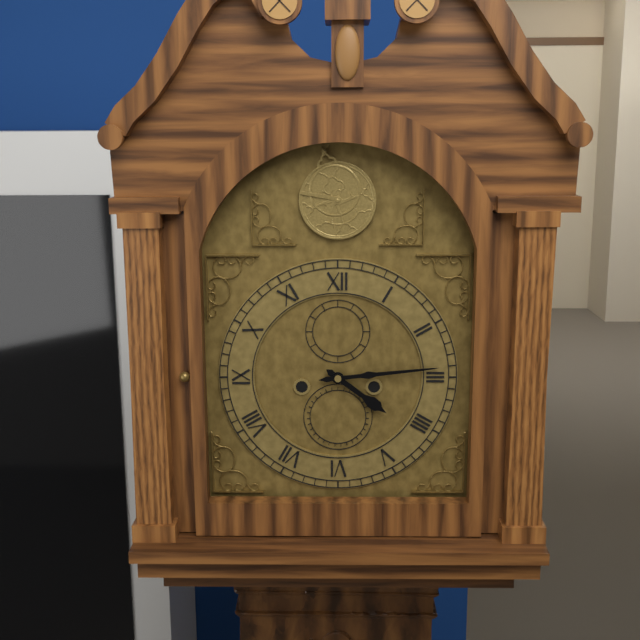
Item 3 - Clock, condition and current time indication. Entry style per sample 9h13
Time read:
4h14
